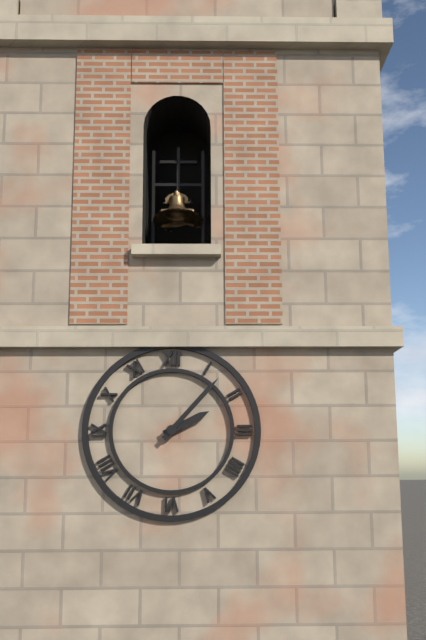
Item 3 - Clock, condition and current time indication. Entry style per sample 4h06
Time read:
2h07
